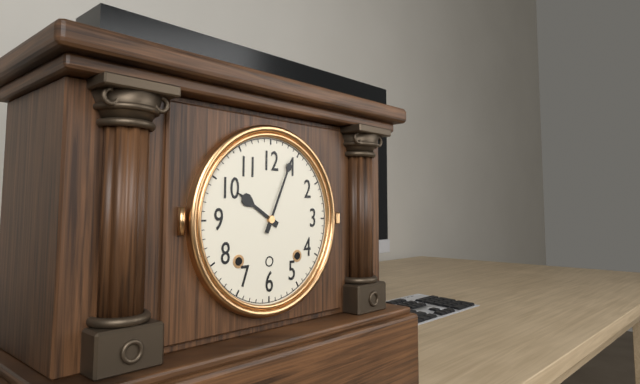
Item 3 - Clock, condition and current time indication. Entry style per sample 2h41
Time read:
10h04
